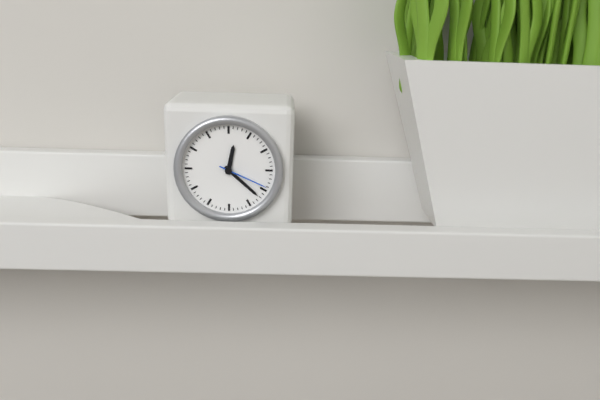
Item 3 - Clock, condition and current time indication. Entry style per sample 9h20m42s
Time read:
12h22m19s
